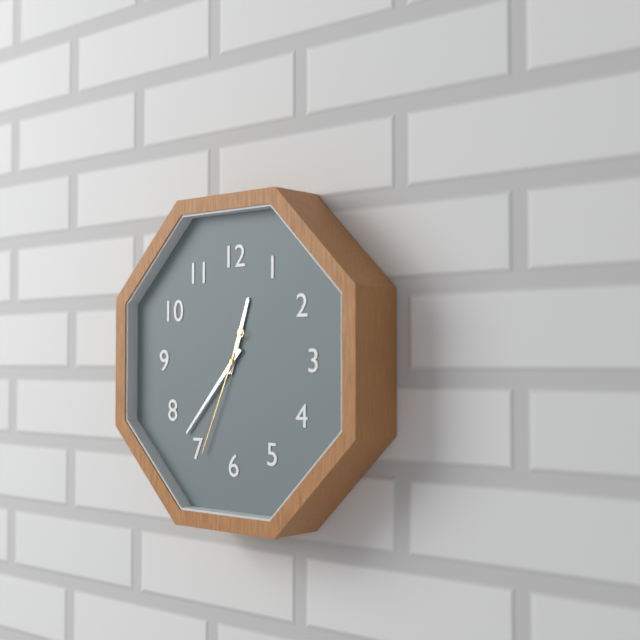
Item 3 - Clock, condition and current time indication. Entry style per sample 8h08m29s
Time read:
12h37m34s
